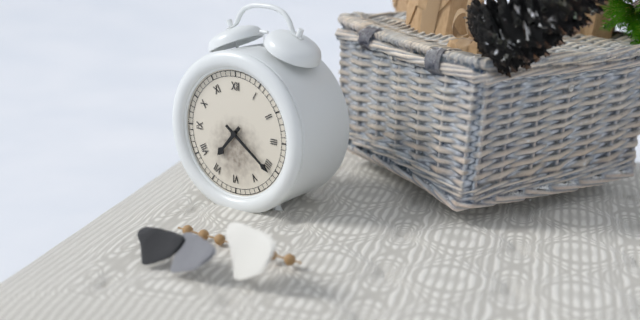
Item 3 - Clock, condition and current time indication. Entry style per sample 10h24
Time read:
7h21
